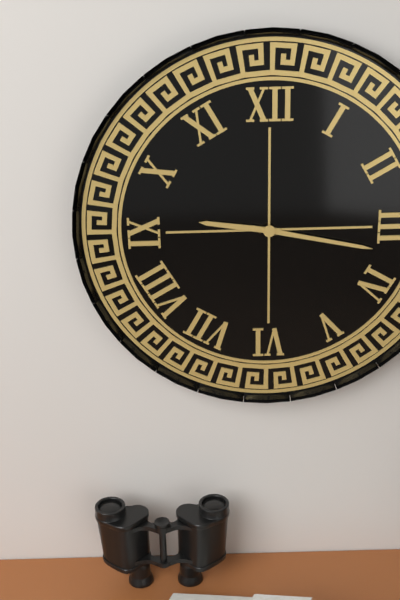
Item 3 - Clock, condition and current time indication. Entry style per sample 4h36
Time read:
9h17
